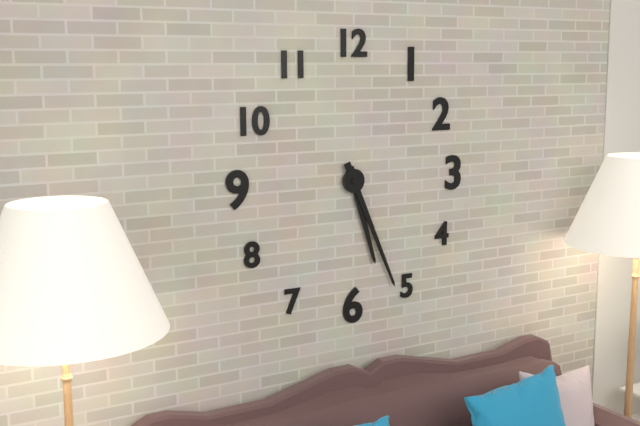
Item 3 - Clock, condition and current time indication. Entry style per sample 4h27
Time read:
5h26
